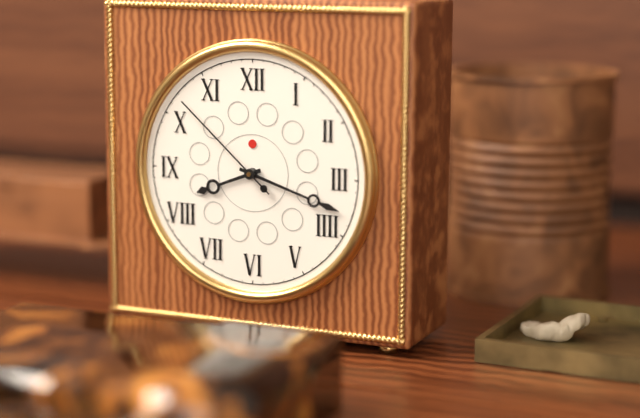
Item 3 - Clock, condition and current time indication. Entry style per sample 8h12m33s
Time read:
8h18m52s
